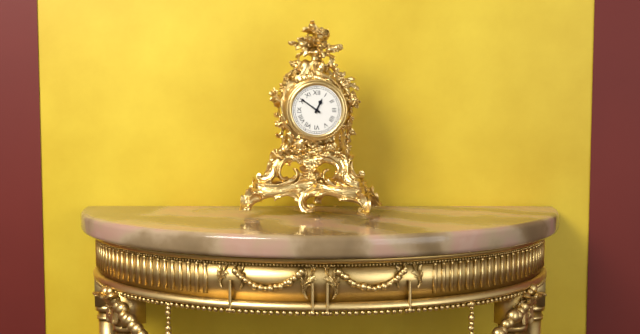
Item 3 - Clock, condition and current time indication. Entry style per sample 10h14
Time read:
12h51
